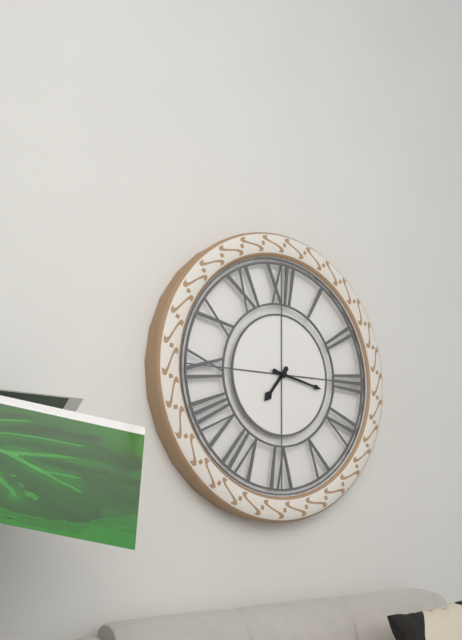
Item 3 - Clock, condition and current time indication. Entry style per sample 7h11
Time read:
7h17
